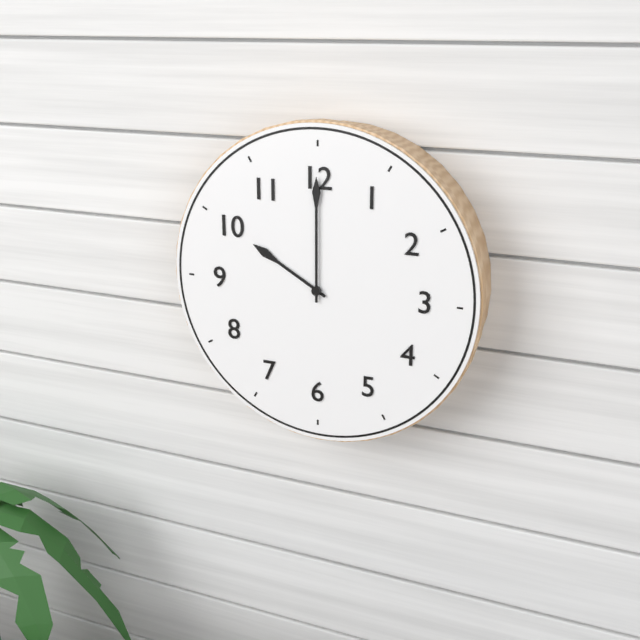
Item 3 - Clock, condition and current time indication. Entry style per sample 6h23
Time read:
10h00
